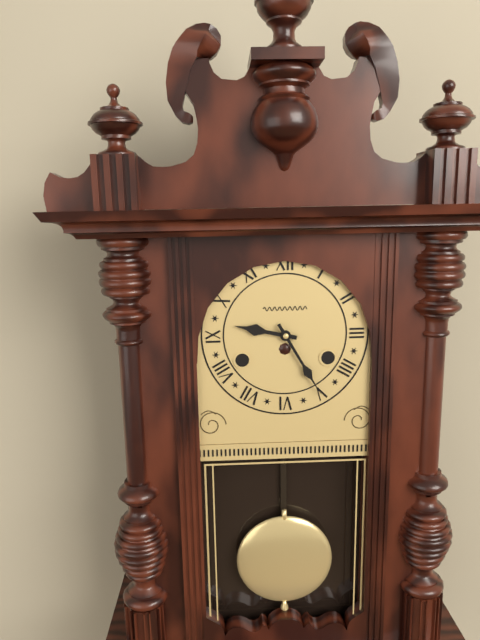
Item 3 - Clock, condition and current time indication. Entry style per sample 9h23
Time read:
9h25
